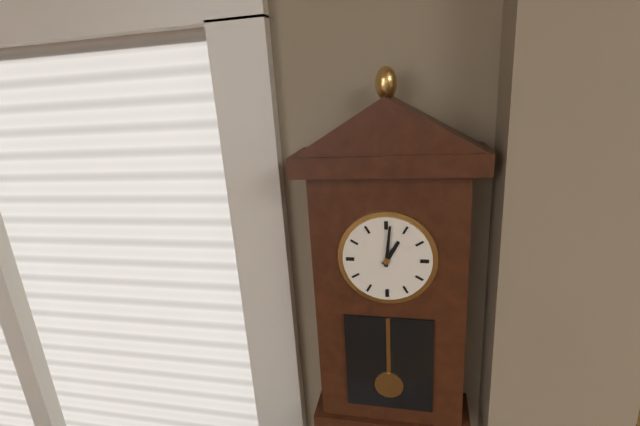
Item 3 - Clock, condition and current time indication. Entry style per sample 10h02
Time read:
1h01
